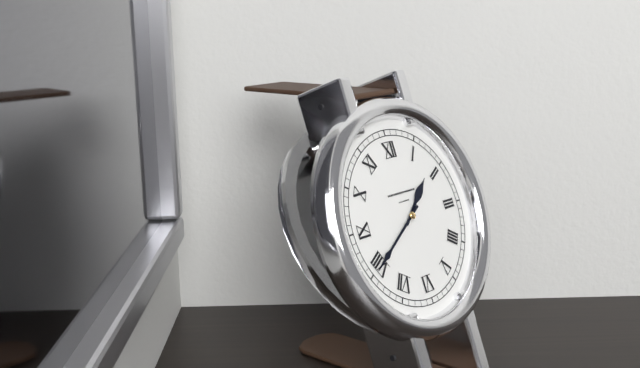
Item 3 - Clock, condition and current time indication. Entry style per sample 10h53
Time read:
1h40
